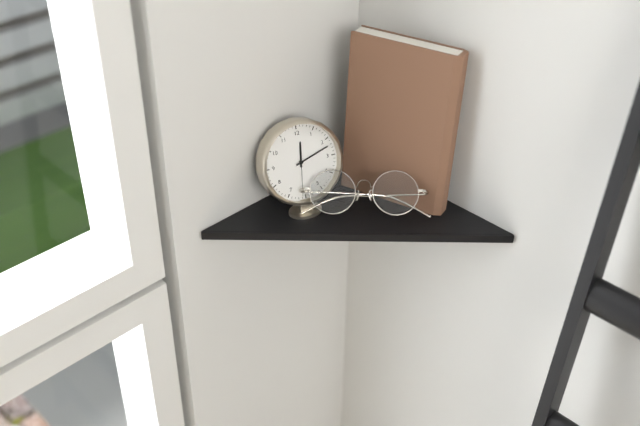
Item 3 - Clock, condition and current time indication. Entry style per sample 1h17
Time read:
12h12
